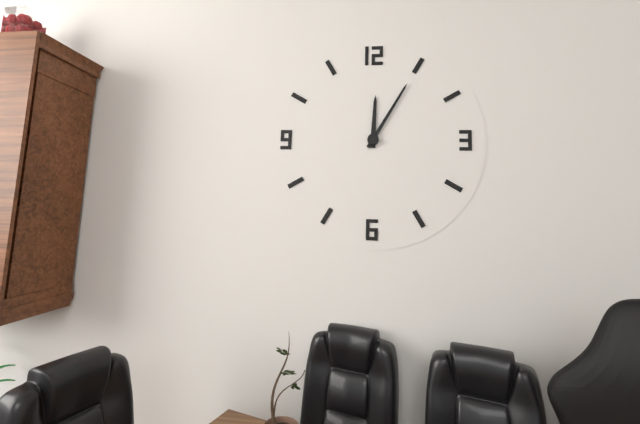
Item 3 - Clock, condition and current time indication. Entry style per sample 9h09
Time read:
12h05
